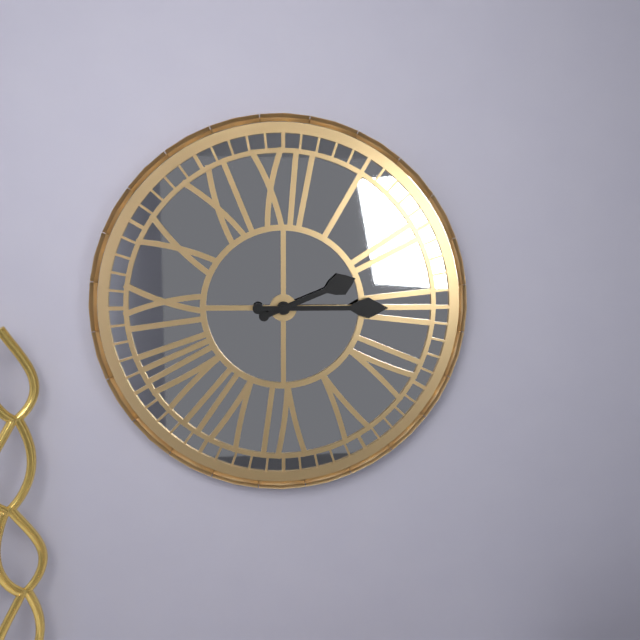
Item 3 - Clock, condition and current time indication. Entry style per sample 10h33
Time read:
2h15
